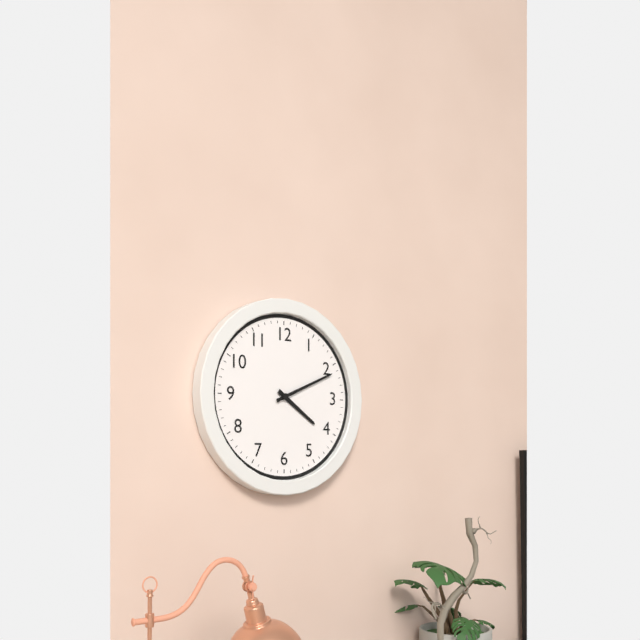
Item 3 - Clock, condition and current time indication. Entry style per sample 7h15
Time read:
4h11
